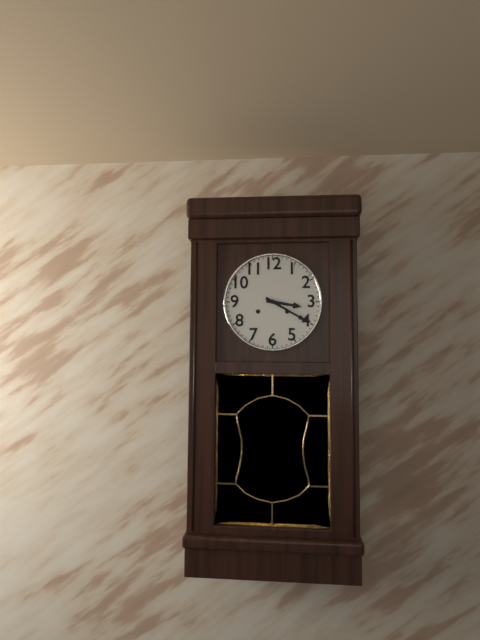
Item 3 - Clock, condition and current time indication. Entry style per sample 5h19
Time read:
3h20
